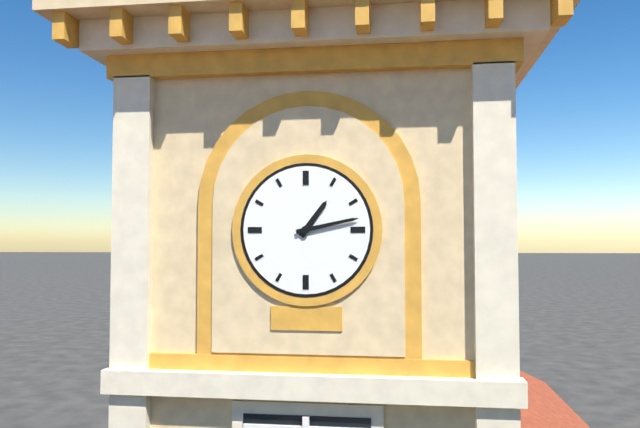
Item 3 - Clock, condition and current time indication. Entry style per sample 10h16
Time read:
1h13
